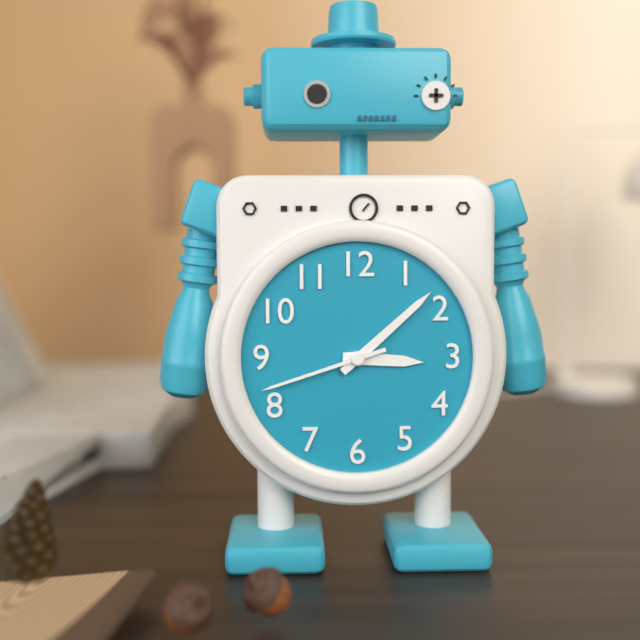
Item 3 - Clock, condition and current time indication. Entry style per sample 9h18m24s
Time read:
3h08m42s
